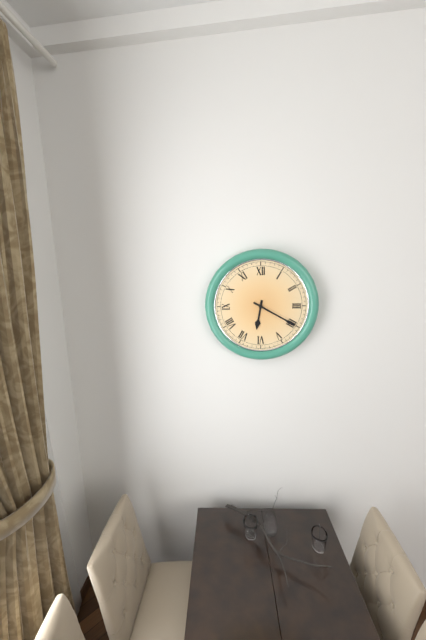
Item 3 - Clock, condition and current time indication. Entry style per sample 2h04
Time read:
6h20
